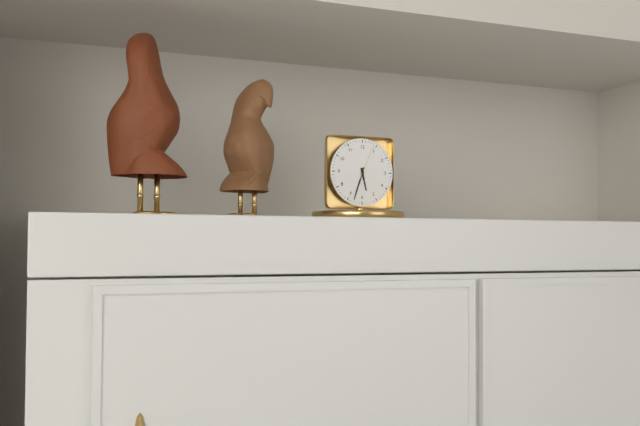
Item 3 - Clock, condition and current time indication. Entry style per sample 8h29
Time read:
5h33
